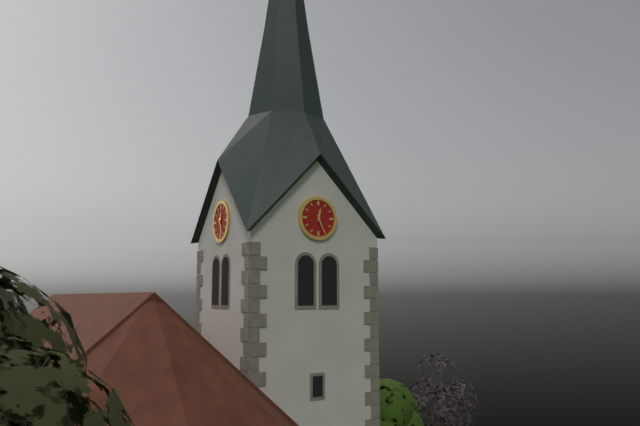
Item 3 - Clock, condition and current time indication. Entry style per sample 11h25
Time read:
12h26
